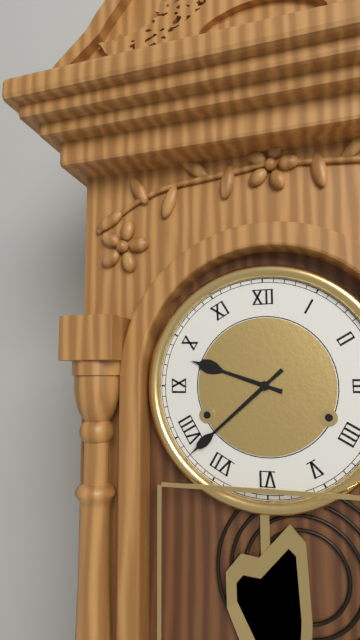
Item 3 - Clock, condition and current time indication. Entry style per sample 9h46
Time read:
9h38
